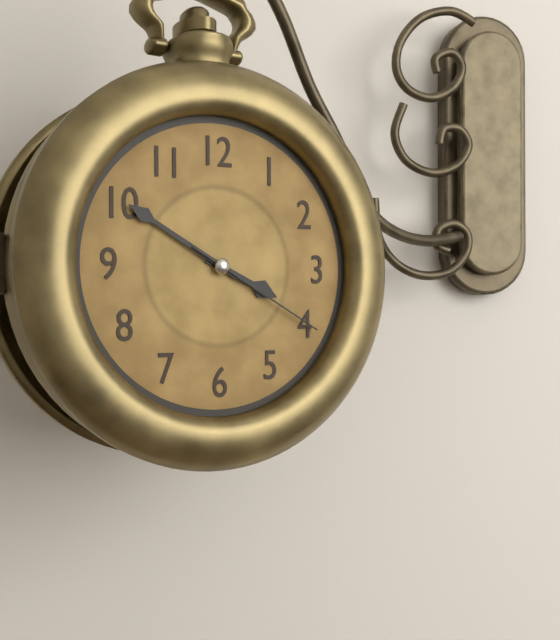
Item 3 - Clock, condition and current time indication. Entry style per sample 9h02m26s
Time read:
3h50m20s
